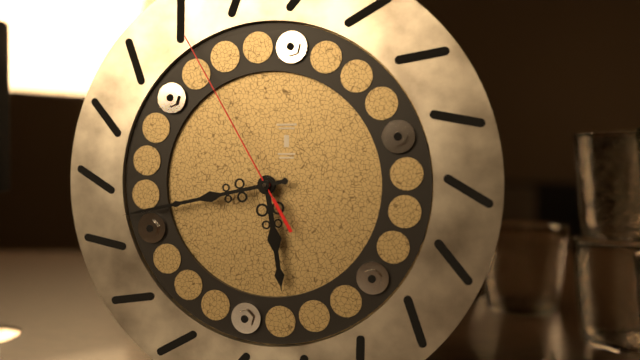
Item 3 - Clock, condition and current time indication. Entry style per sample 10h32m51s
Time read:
5h43m55s
